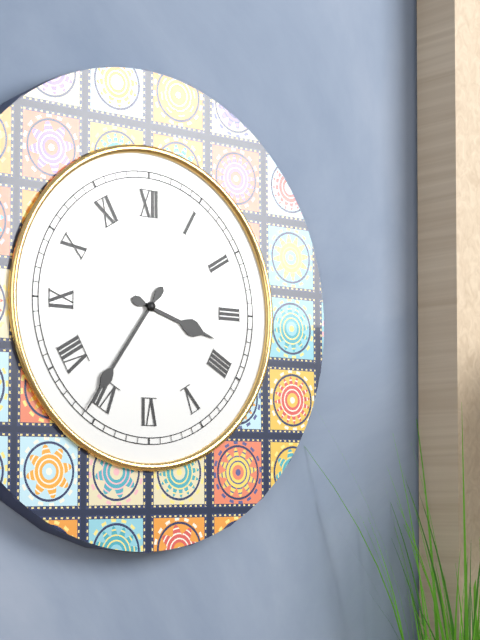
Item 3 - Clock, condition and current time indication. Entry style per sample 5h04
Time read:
3h36
